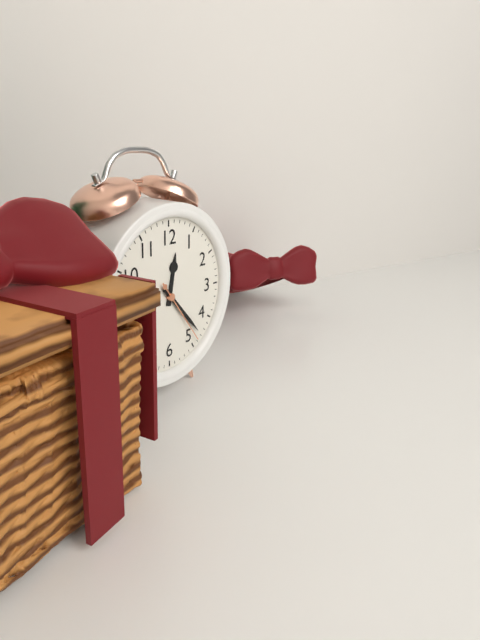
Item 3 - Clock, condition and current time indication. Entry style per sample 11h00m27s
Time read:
12h23m24s
